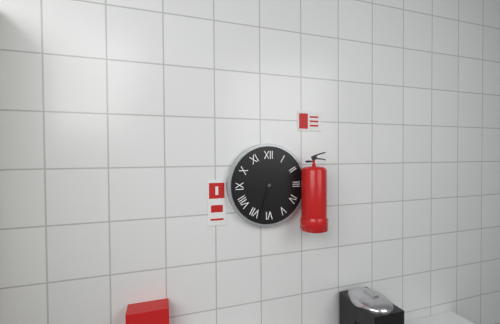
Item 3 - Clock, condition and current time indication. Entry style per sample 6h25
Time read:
8h33
